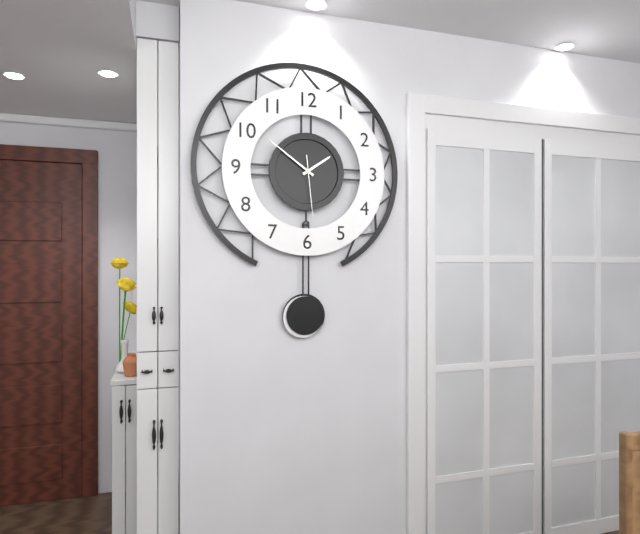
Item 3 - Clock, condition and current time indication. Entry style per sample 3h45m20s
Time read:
1h51m29s
